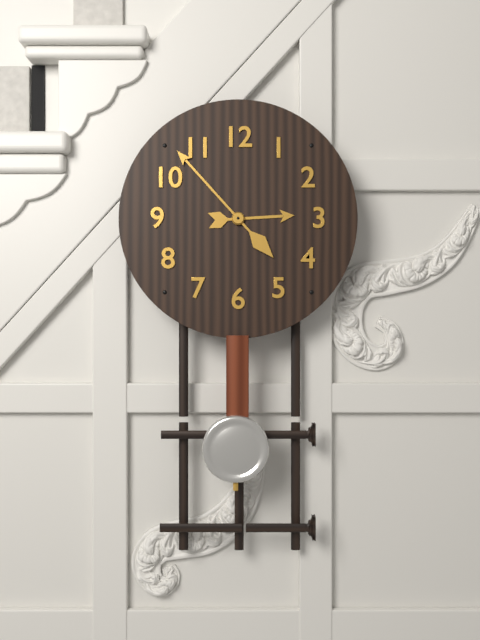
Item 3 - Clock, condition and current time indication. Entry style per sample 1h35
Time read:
2h53
